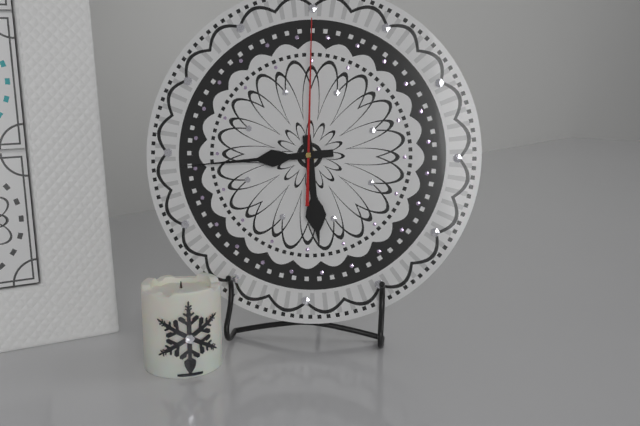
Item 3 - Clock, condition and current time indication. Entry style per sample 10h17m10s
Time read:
5h44m00s
